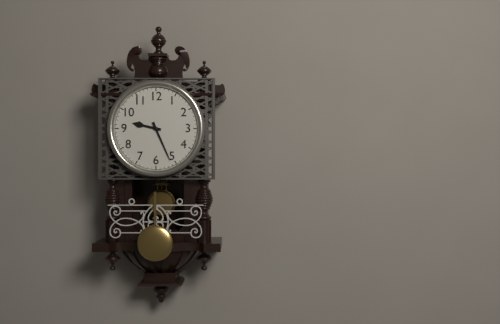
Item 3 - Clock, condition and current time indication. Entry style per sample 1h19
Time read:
9h26
